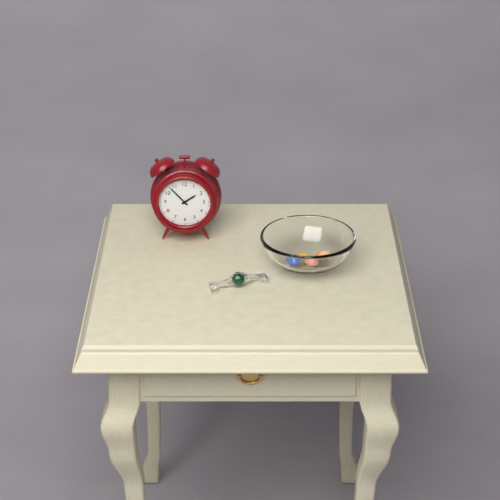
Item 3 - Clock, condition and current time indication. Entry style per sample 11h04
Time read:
1h53
